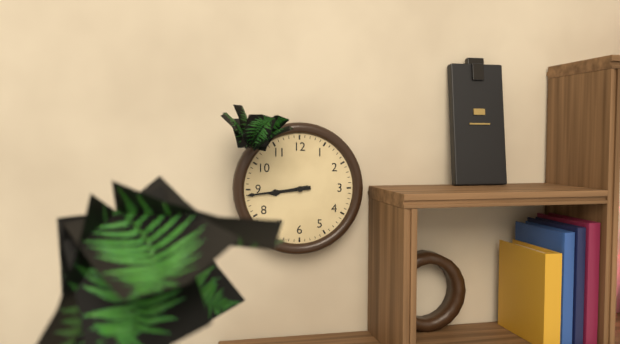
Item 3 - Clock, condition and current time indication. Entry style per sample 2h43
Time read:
8h44
